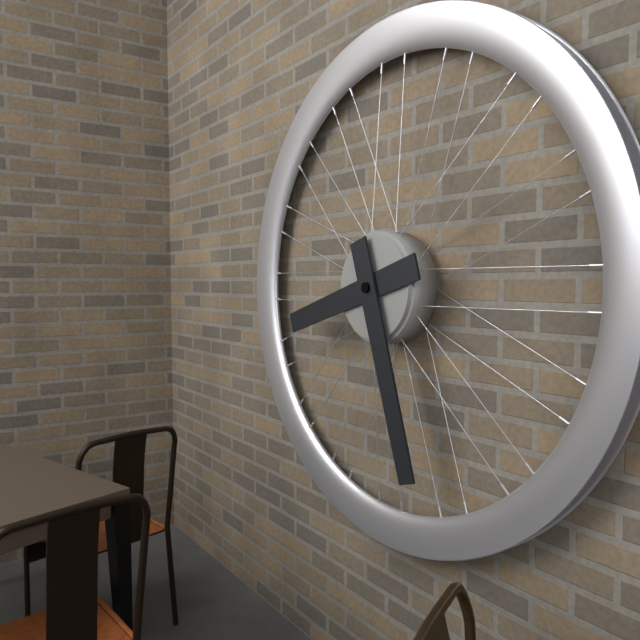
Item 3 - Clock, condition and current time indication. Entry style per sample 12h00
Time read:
8h27
